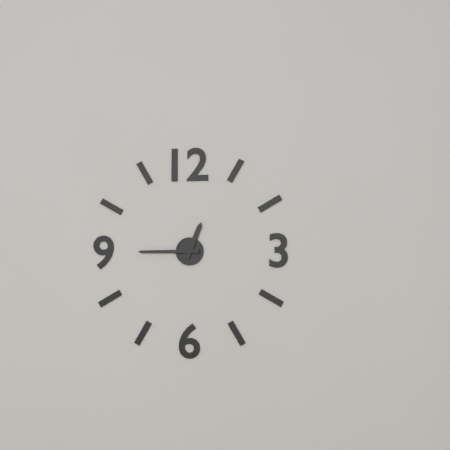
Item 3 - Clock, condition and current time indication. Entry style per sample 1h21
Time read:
12h45
